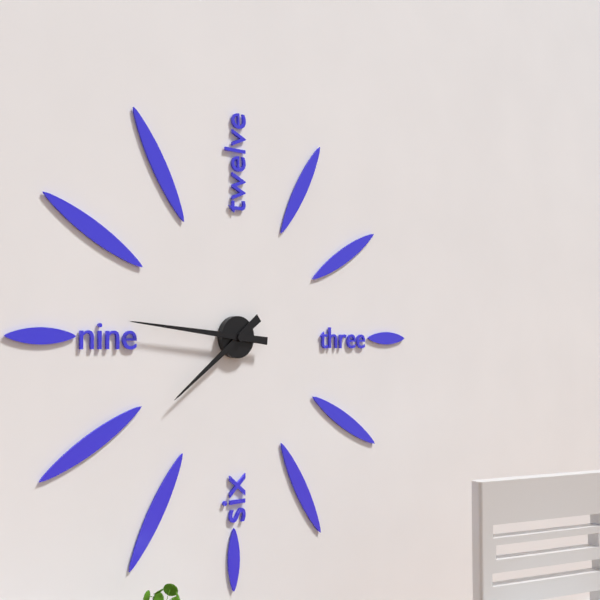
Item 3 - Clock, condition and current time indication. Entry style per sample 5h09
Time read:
7h46
